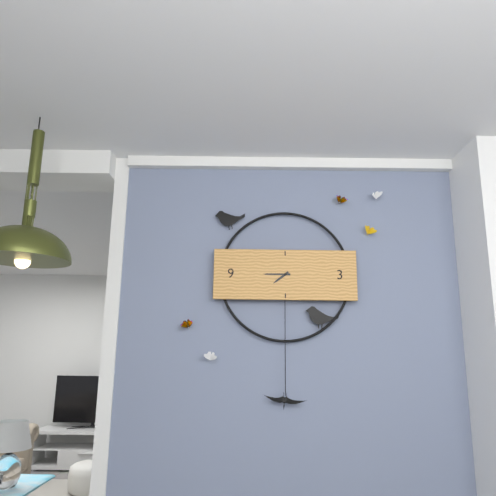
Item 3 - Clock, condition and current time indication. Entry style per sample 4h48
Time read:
7h45
